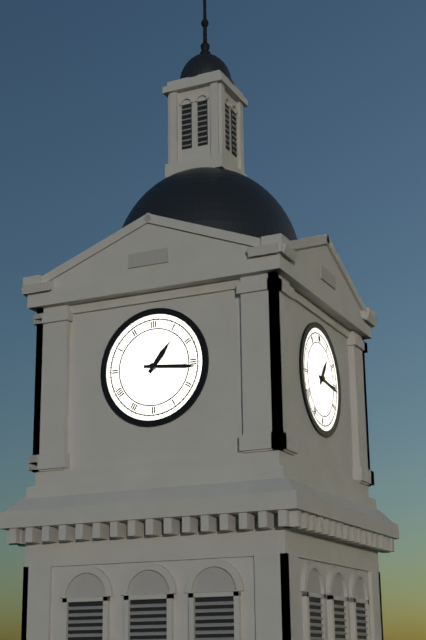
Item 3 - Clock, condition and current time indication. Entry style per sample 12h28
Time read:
1h16
